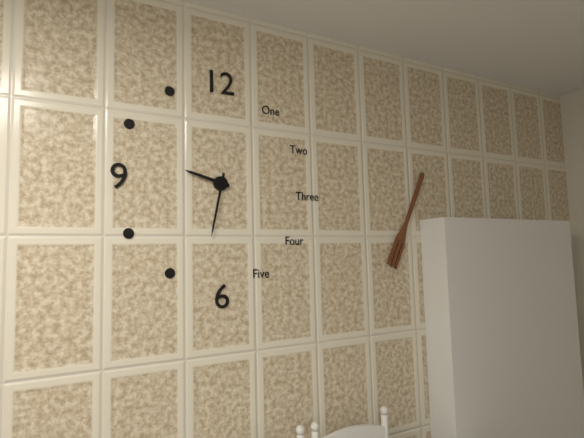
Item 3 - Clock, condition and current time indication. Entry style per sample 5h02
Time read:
9h32
